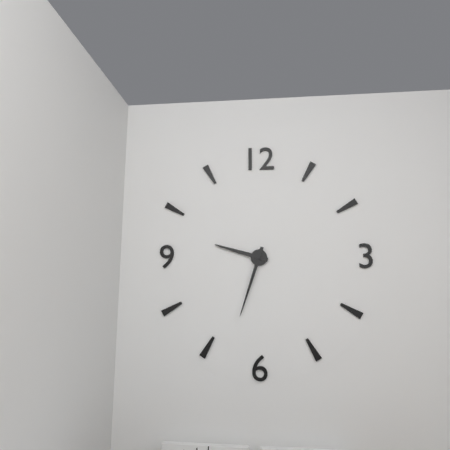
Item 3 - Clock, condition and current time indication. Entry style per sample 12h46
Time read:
9h33
